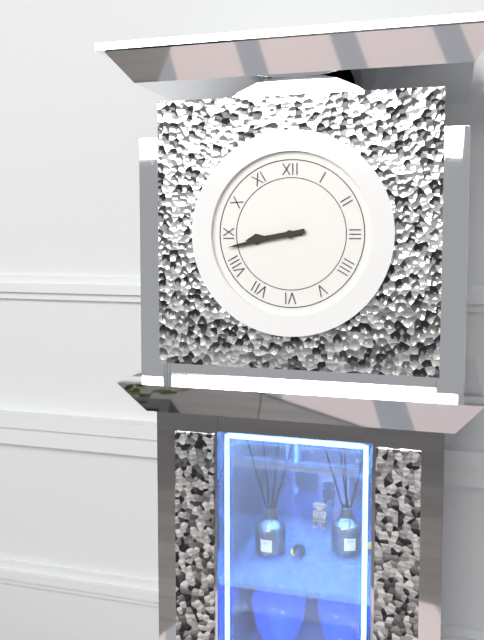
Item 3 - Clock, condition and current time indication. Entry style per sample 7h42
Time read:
8h43
